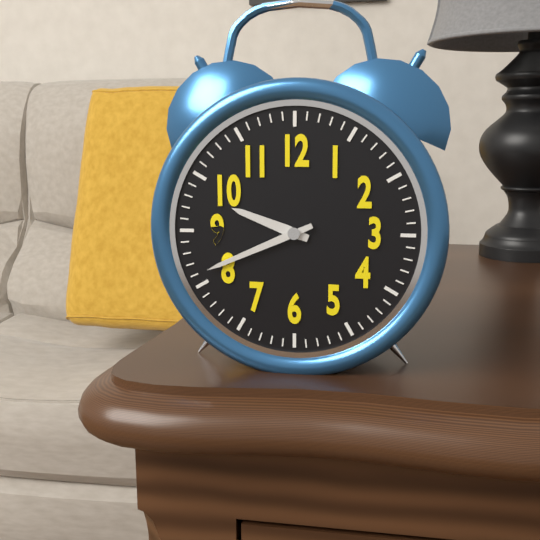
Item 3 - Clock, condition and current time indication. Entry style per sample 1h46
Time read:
9h41
